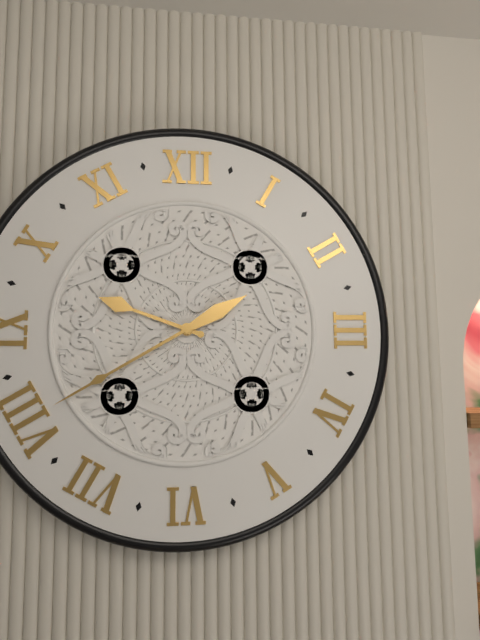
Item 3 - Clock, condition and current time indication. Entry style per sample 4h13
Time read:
9h40
